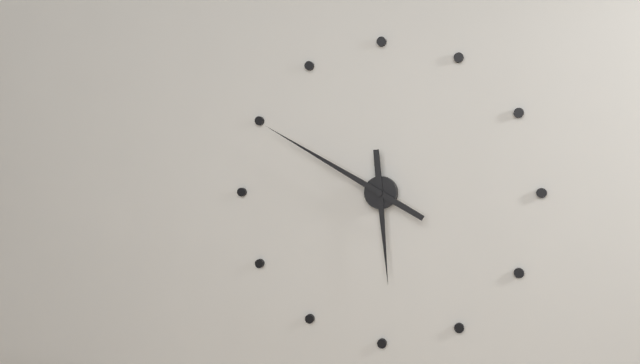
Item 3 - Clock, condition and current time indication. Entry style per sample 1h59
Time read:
5h50
